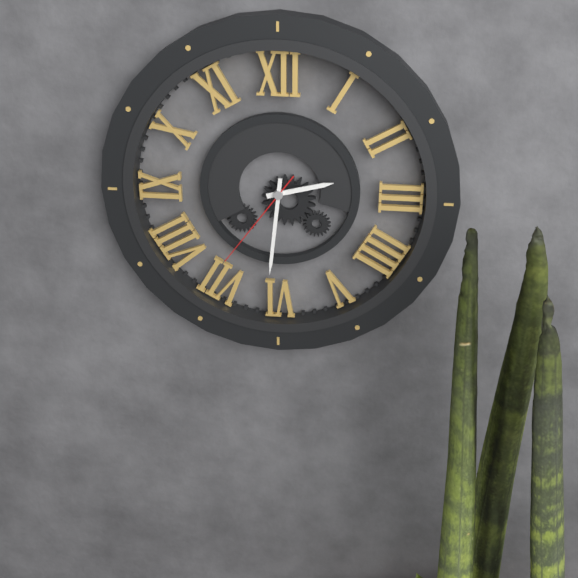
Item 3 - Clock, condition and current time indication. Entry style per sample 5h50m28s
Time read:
2h31m36s
